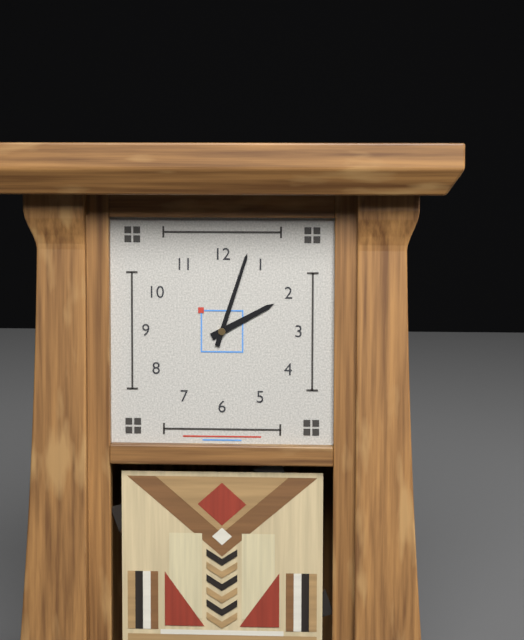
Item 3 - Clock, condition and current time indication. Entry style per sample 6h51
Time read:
2h03
